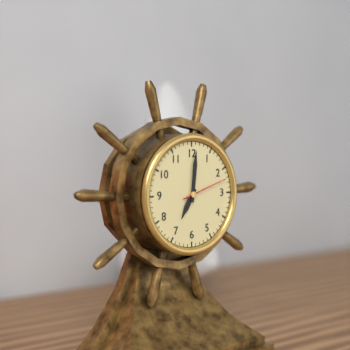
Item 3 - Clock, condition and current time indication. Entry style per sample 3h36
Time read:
7h01
